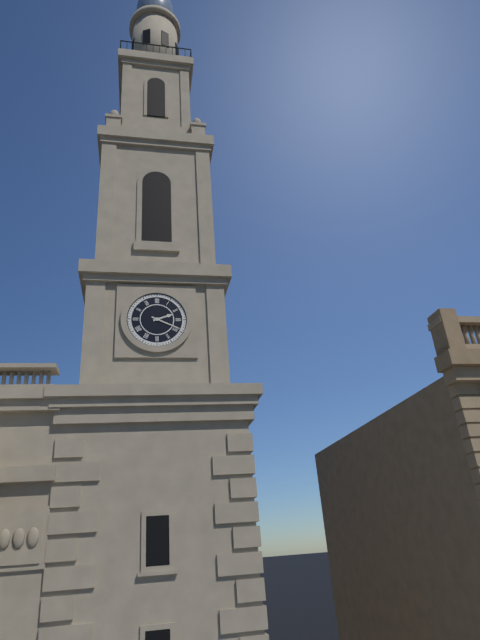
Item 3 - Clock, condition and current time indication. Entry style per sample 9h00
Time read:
2h19
